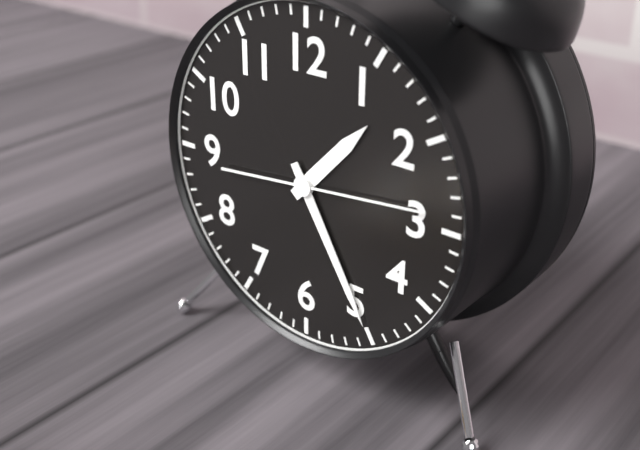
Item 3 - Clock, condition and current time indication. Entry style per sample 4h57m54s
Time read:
1h25m14s
